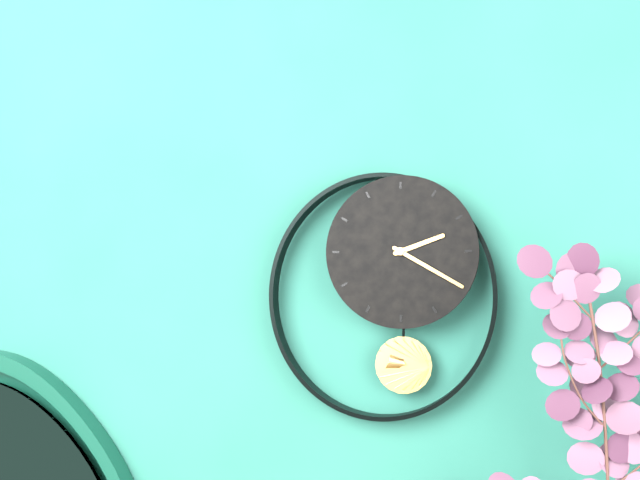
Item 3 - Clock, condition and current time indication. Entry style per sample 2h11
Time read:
2h20
